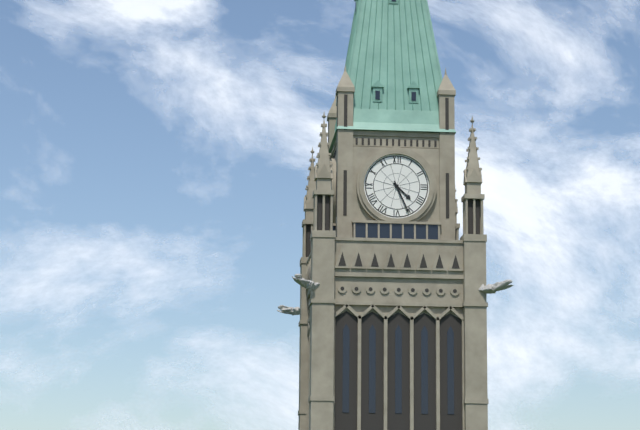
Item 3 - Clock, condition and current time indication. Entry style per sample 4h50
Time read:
4h26
